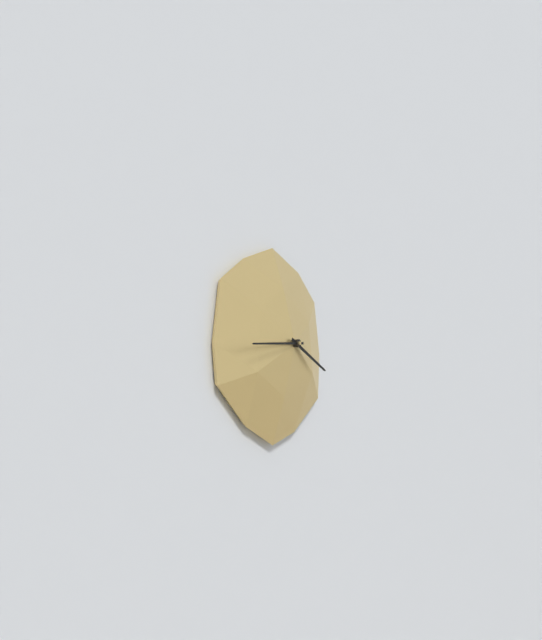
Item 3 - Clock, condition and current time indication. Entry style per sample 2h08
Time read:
3h44
